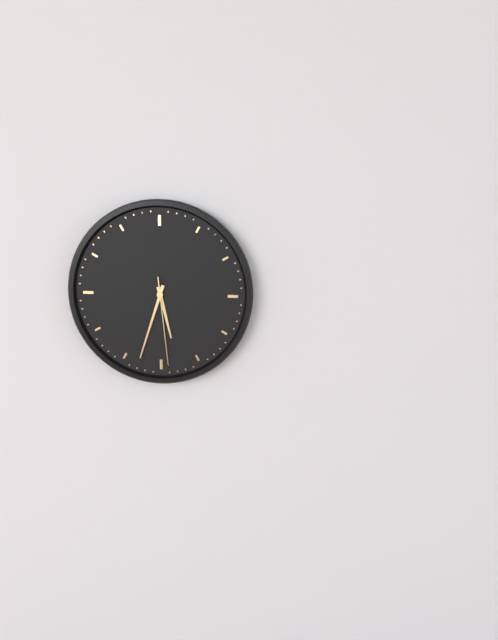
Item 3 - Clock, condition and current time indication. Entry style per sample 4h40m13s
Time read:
5h33m29s
